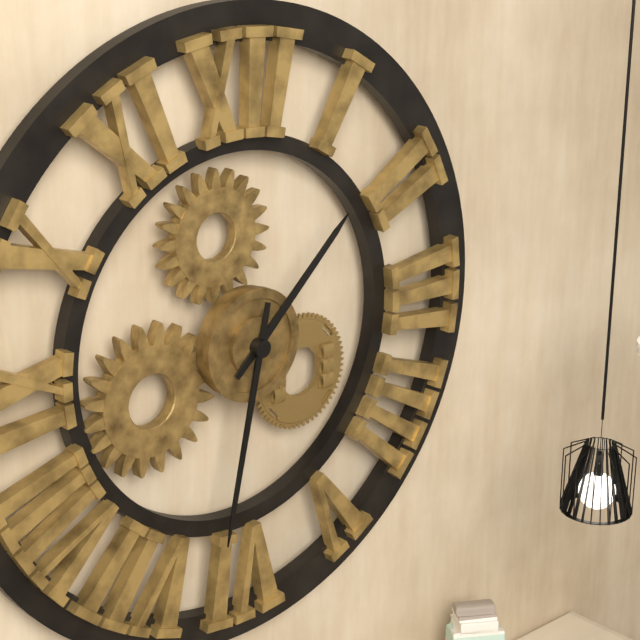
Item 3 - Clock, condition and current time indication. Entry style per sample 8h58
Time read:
1h32
